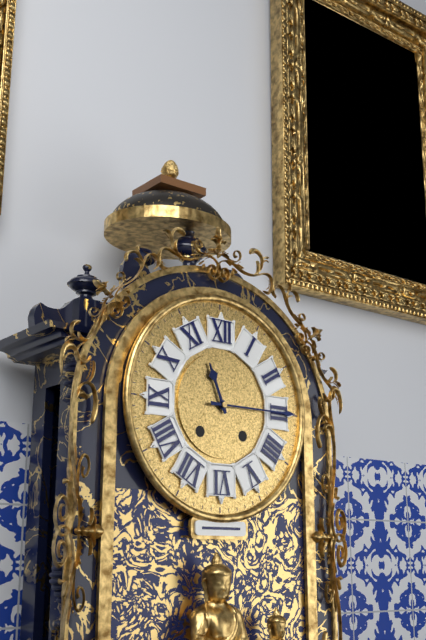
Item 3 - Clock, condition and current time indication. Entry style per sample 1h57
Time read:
11h15
